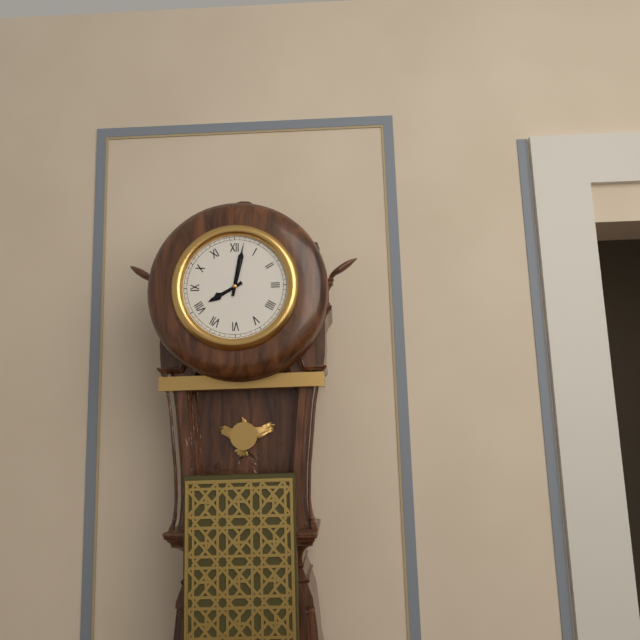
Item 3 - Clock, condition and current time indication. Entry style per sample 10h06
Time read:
8h02
